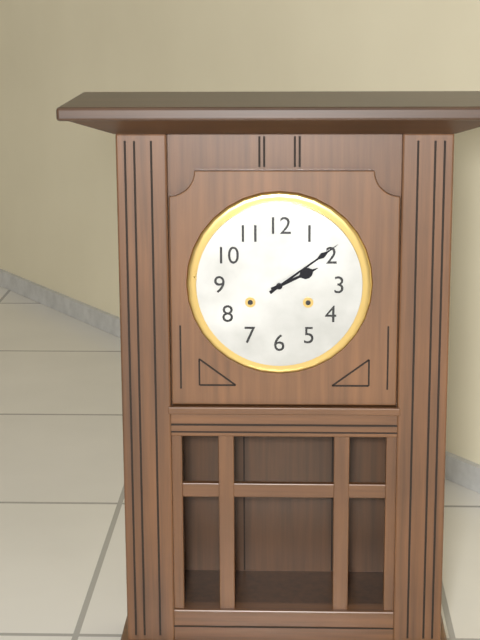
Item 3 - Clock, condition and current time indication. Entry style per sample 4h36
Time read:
2h09
